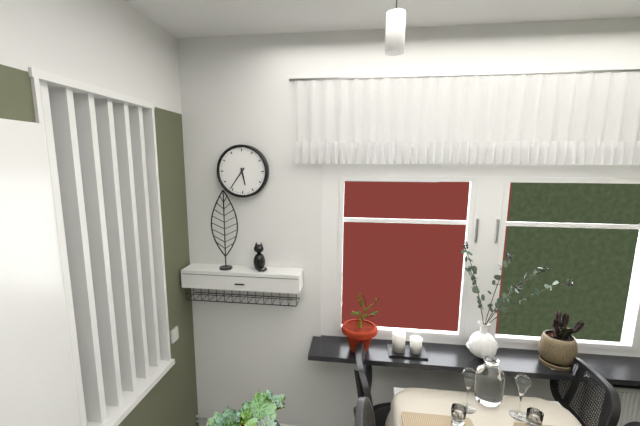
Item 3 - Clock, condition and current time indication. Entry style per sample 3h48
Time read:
5h36
